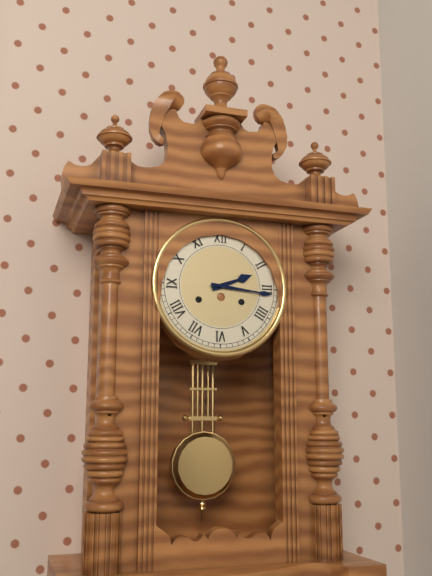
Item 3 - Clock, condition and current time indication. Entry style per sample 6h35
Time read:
2h16
